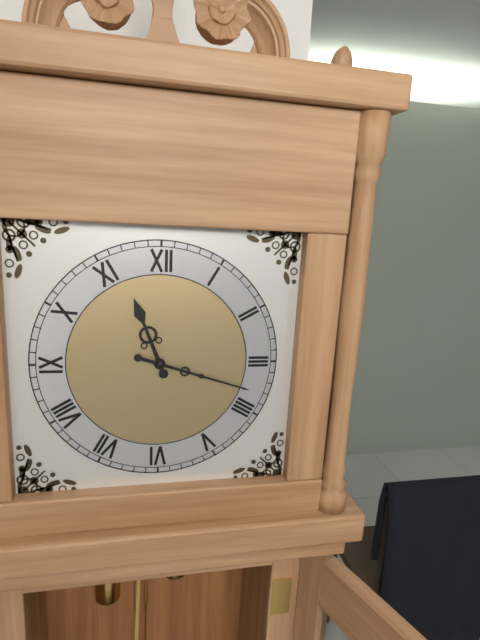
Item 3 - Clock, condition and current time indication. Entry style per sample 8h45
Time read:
11h18
